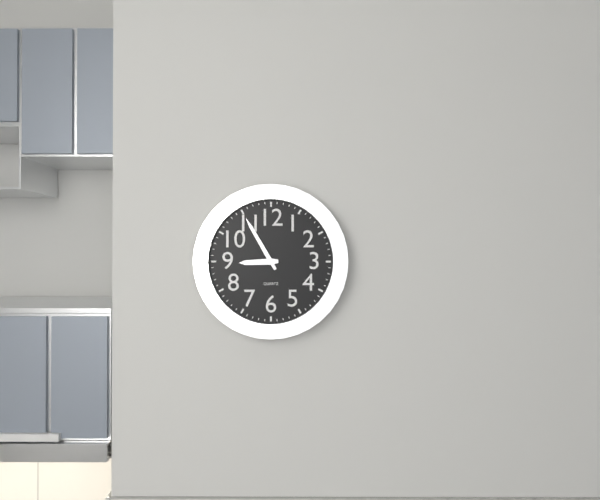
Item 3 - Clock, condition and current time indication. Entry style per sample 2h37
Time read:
8h55
